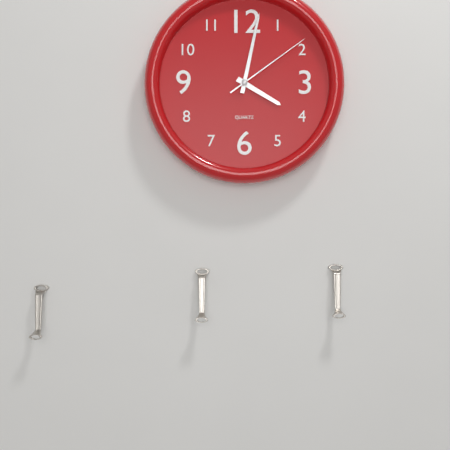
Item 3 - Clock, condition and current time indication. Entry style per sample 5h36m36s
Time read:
4h02m09s
